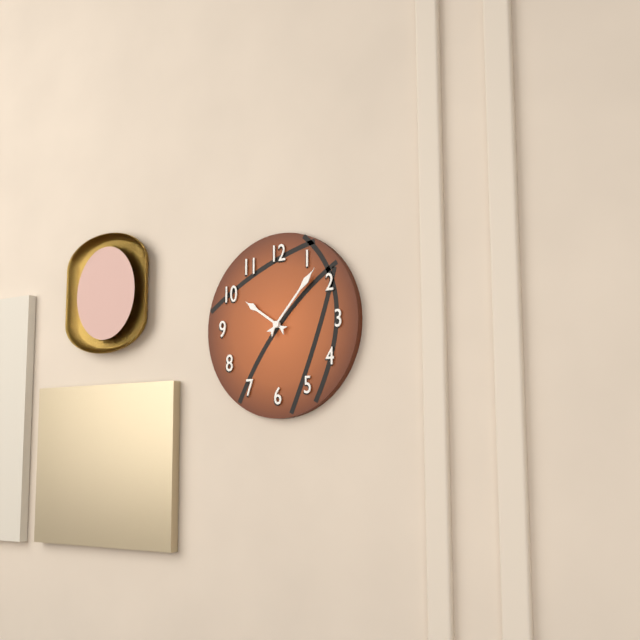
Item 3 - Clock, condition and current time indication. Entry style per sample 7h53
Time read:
10h07
